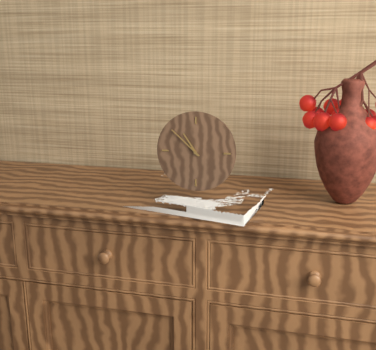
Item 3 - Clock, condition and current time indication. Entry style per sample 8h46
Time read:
10h52
